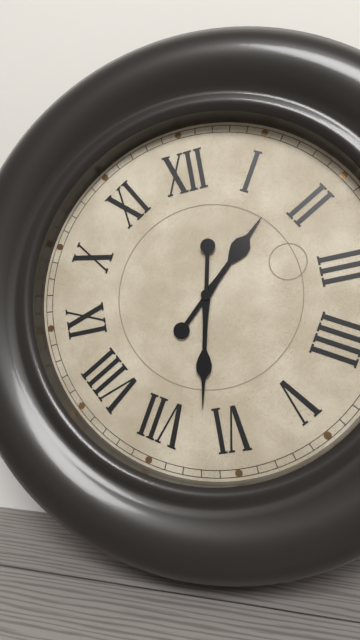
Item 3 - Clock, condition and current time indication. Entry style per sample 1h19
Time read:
1h32
